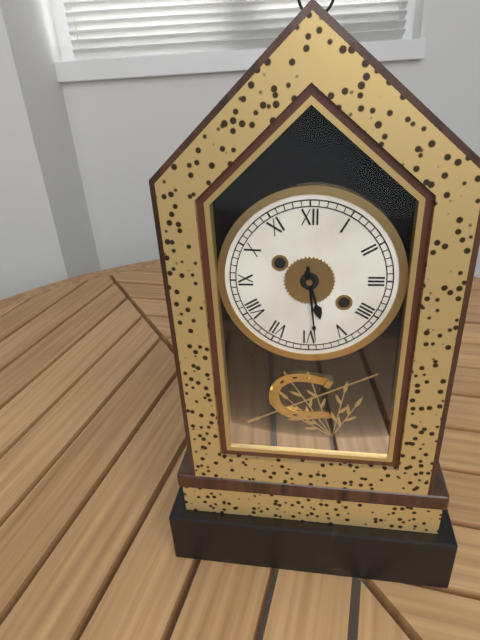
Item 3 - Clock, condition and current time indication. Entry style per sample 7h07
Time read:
5h29
